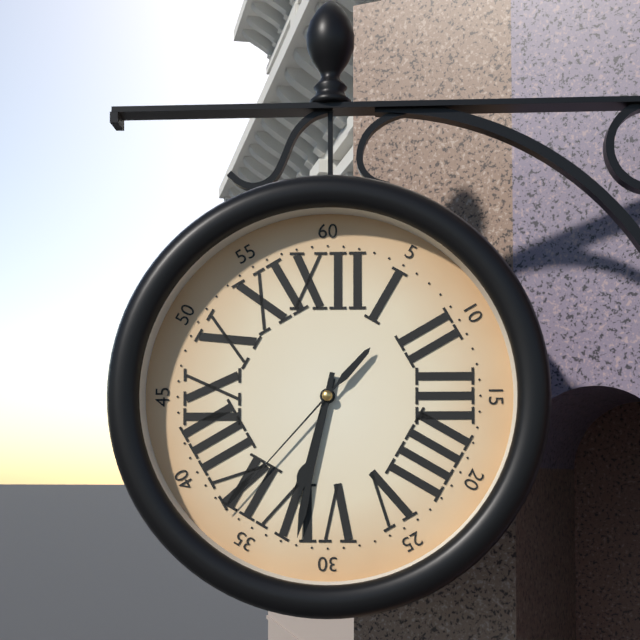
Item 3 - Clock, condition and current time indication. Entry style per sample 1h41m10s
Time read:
6h32m37s
